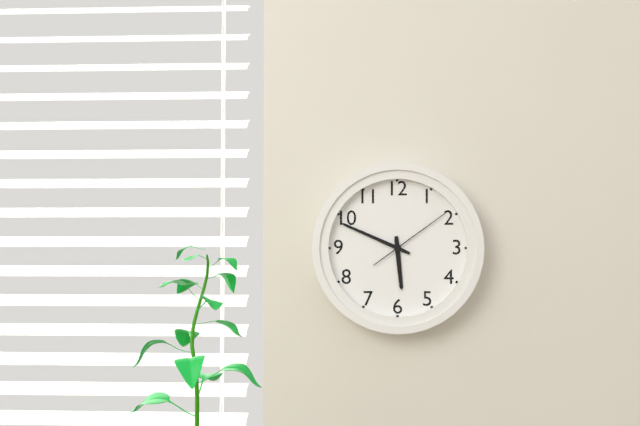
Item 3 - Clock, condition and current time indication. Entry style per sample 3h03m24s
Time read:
5h49m09s
